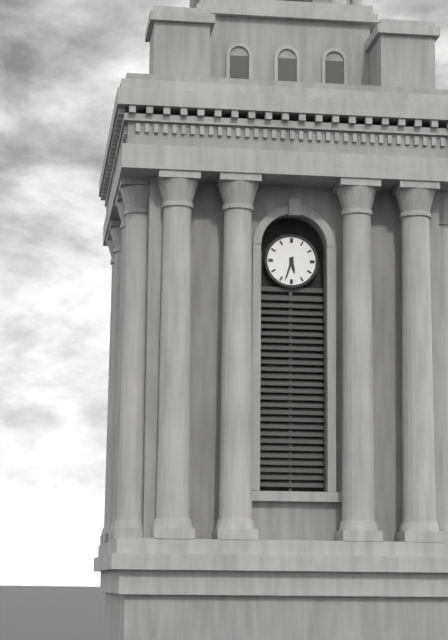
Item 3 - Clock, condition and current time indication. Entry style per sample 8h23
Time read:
5h33
